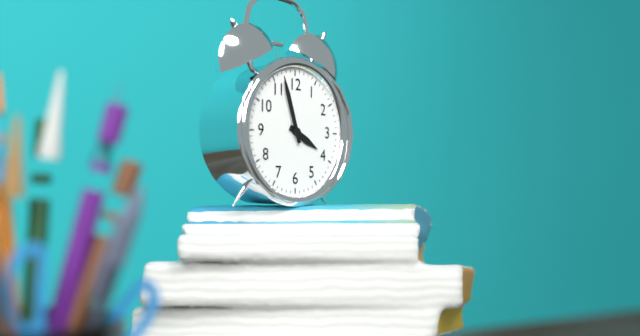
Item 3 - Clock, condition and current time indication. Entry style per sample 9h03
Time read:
3h57
